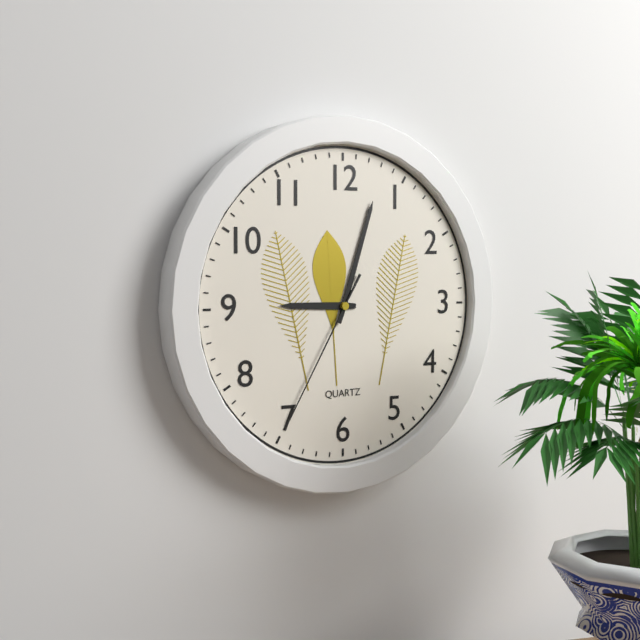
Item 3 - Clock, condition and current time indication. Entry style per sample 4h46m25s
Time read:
9h03m35s
